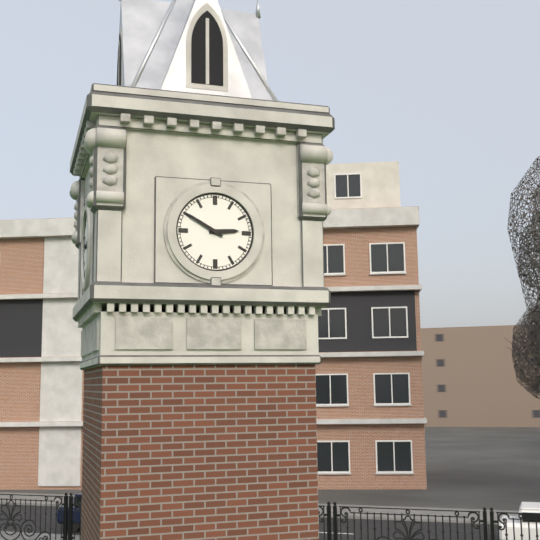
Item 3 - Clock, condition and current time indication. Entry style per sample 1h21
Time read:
2h50
